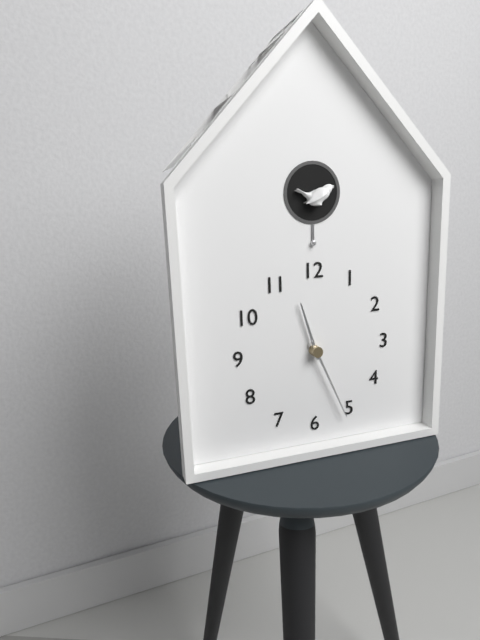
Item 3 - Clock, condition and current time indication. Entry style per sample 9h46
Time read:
11h26
